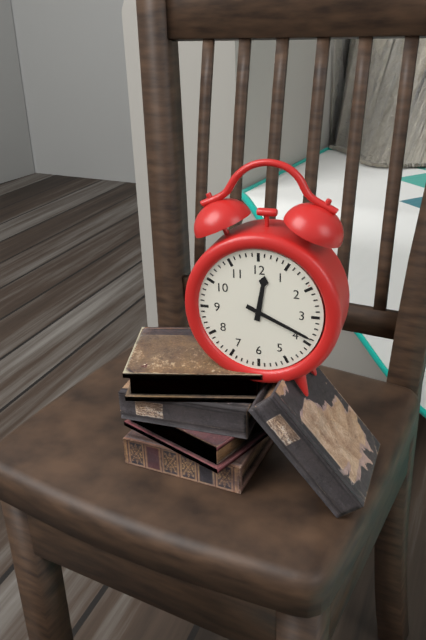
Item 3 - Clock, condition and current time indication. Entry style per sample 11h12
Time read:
12h19
